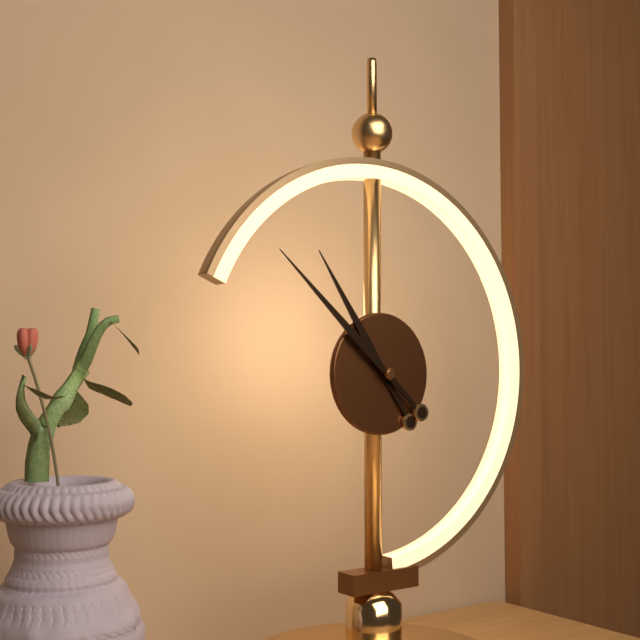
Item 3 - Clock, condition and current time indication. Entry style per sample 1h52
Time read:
10h52
